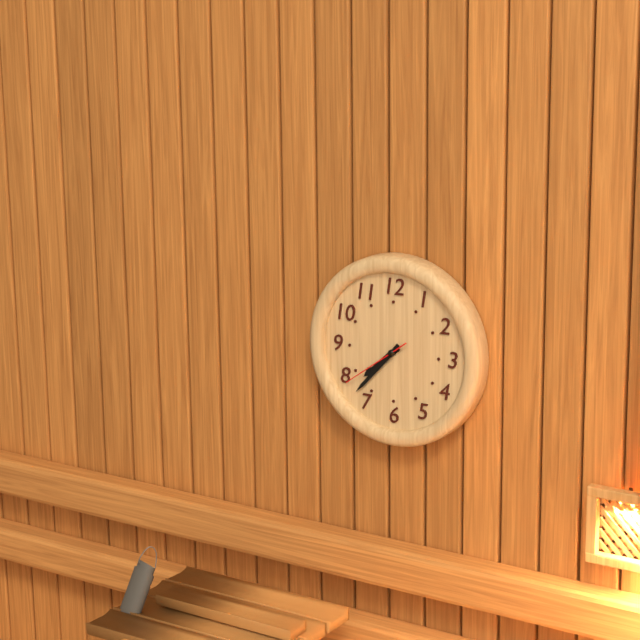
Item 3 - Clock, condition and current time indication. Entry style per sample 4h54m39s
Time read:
7h37m39s
